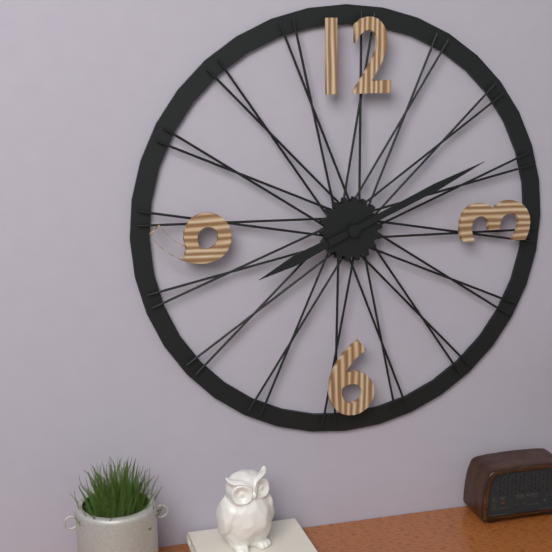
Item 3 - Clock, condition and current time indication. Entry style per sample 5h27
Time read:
8h11
